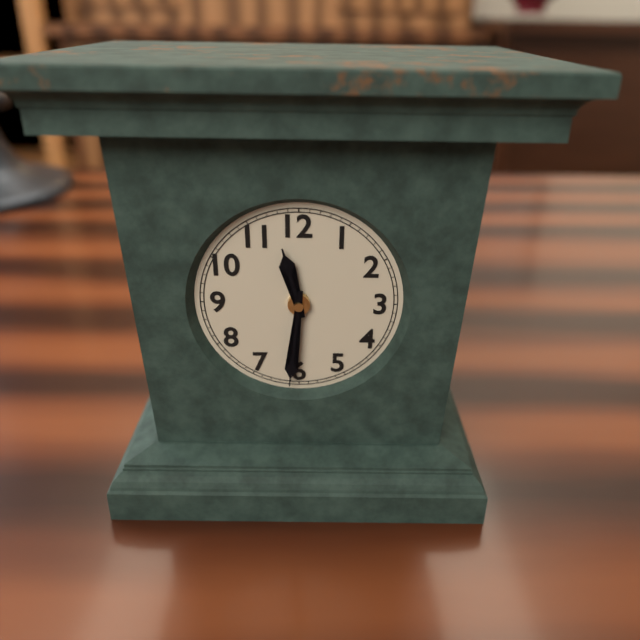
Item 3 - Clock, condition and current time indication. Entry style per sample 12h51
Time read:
11h31
